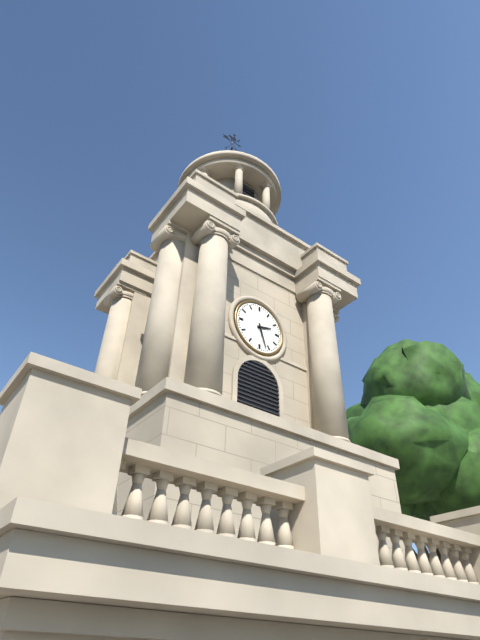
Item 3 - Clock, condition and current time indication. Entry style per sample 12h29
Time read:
2h27
